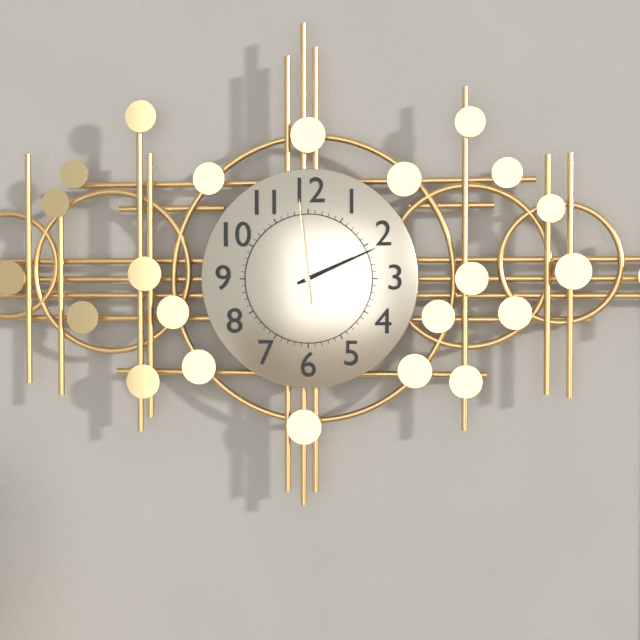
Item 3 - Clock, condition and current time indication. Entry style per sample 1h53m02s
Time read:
2h11m59s
